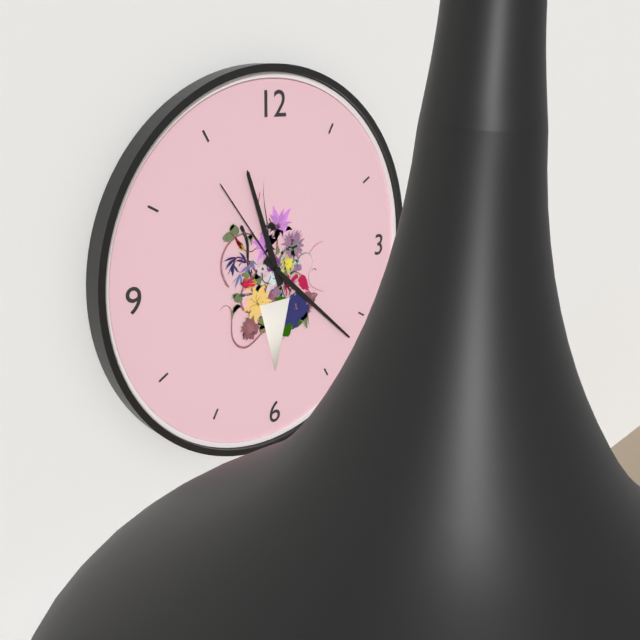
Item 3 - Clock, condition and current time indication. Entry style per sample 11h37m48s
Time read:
11h22m54s
